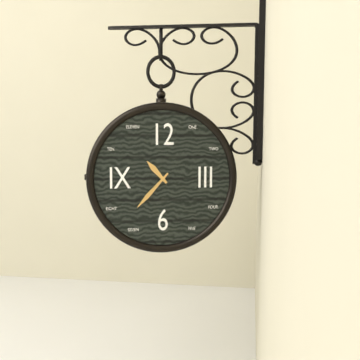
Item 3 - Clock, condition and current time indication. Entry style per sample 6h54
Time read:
10h37
